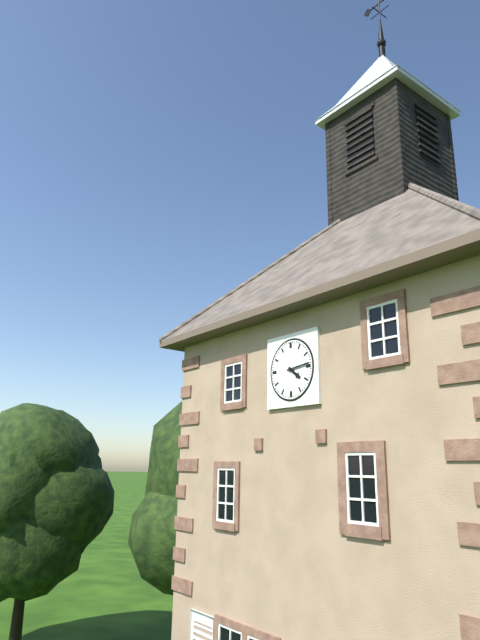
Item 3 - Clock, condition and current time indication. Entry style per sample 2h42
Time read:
4h14
